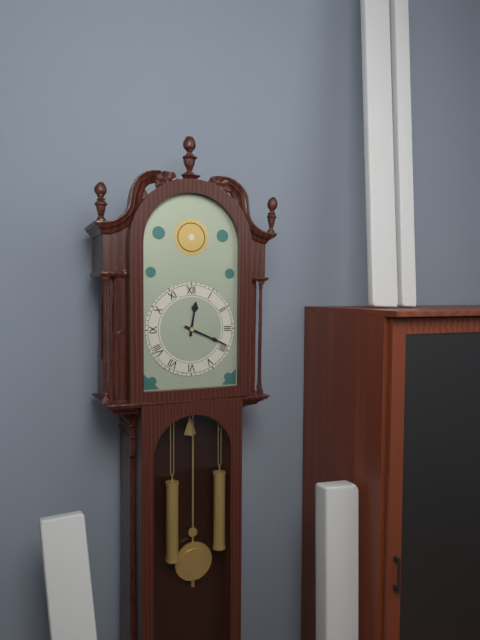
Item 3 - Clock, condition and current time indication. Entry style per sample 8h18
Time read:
12h19
